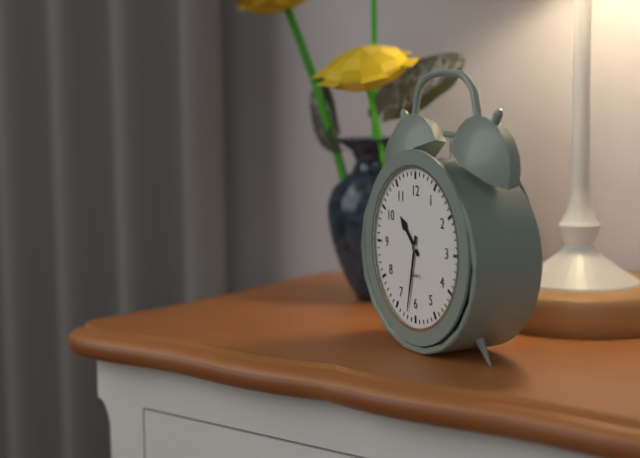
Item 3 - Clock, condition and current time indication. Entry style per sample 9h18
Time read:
10h32
